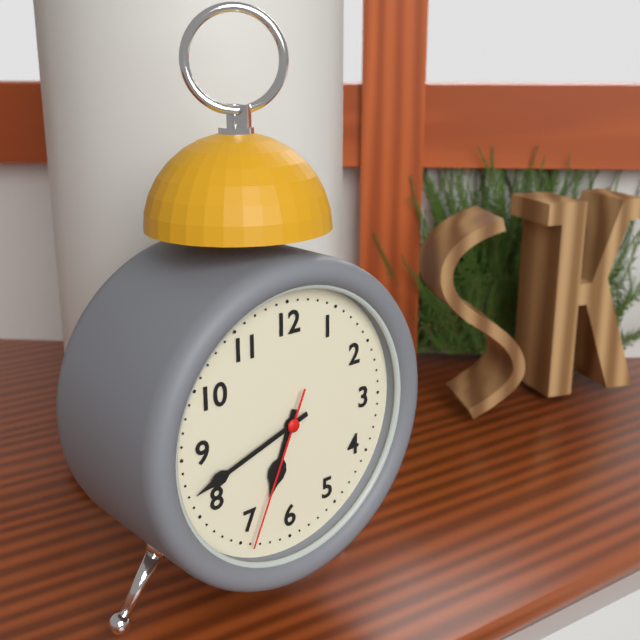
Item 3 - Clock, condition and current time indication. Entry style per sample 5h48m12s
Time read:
6h42m34s
